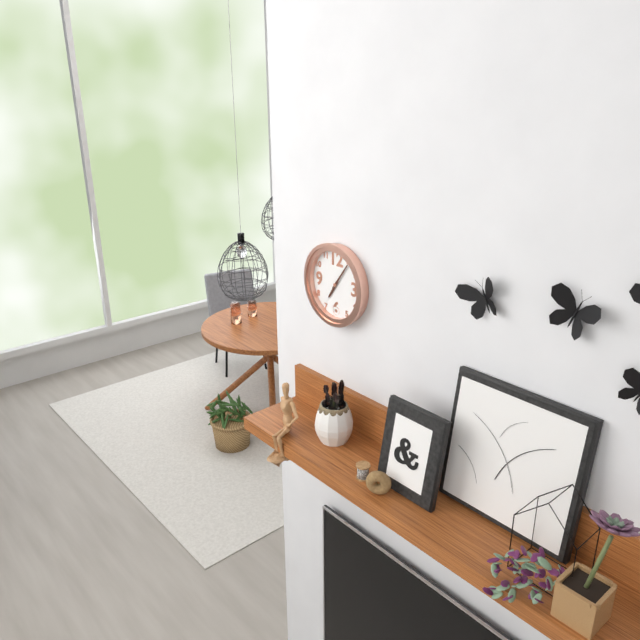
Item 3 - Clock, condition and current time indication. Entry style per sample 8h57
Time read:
7h06
